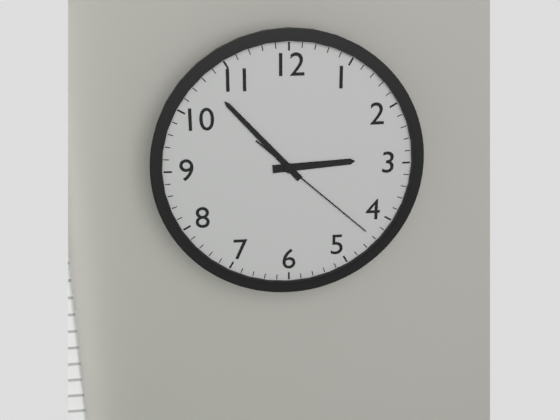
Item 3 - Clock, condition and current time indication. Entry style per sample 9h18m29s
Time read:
2h53m22s
